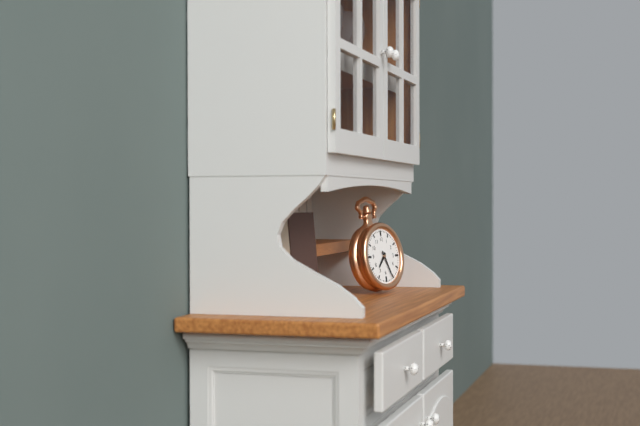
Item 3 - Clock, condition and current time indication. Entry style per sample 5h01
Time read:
7h26
